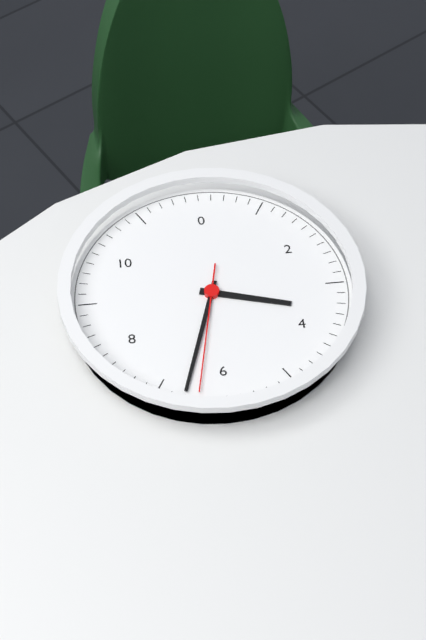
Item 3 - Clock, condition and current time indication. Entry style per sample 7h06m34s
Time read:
3h33m32s
